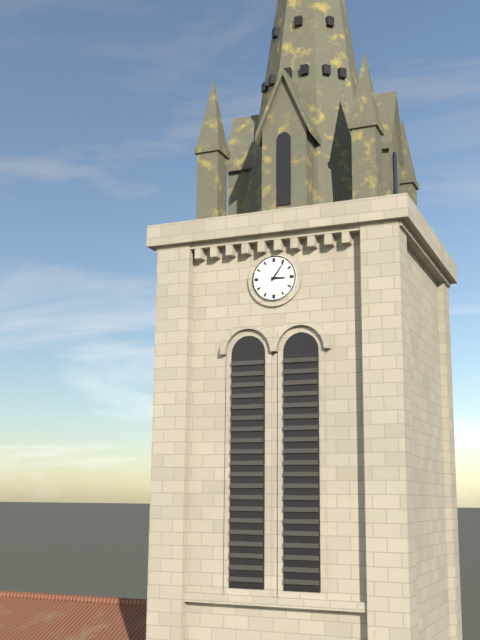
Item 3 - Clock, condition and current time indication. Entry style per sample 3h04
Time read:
3h06
